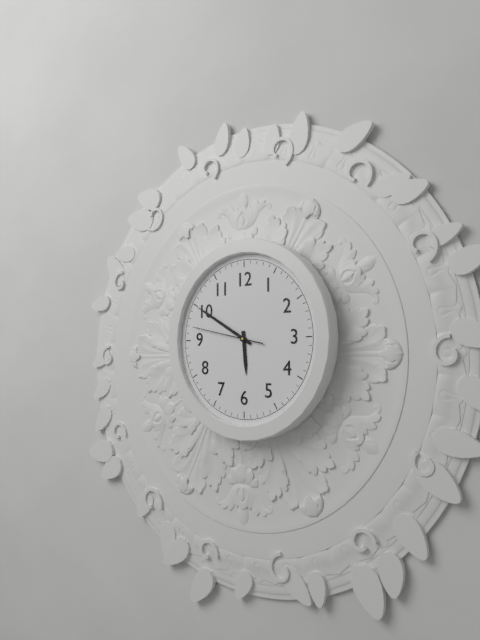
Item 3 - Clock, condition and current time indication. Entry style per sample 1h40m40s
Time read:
5h50m47s
